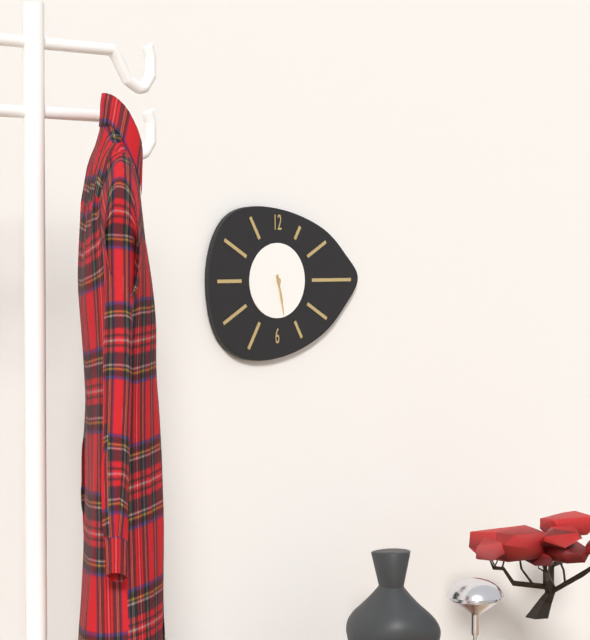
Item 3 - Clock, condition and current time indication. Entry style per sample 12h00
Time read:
5h28
